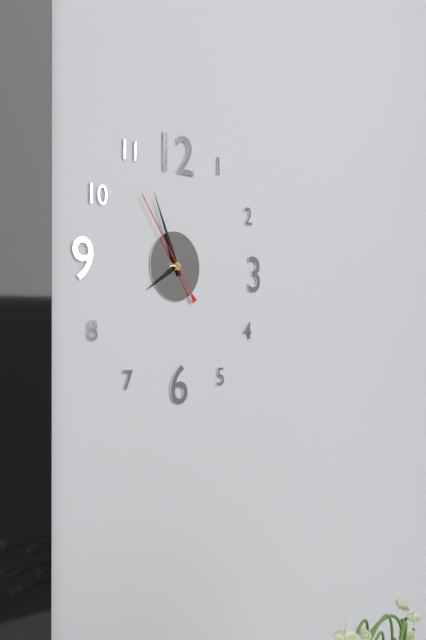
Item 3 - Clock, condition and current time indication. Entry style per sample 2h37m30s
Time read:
7h56m54s
